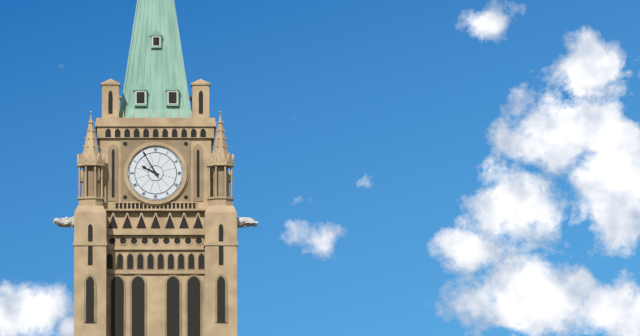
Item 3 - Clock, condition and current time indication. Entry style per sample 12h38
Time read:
9h55
